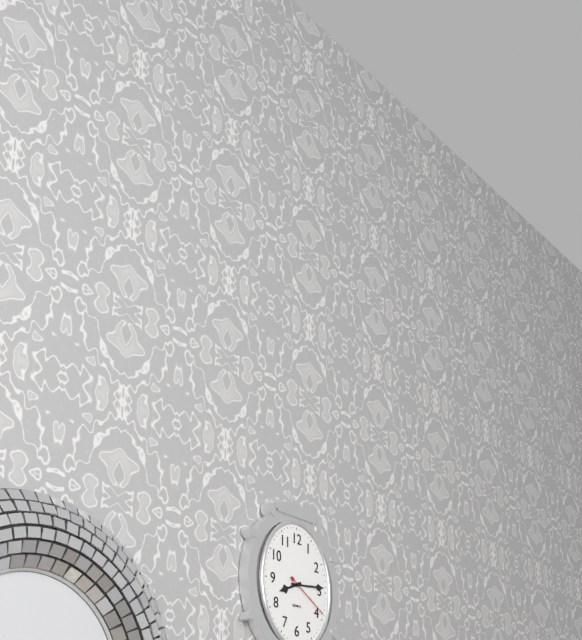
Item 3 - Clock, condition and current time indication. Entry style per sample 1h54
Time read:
8h14
